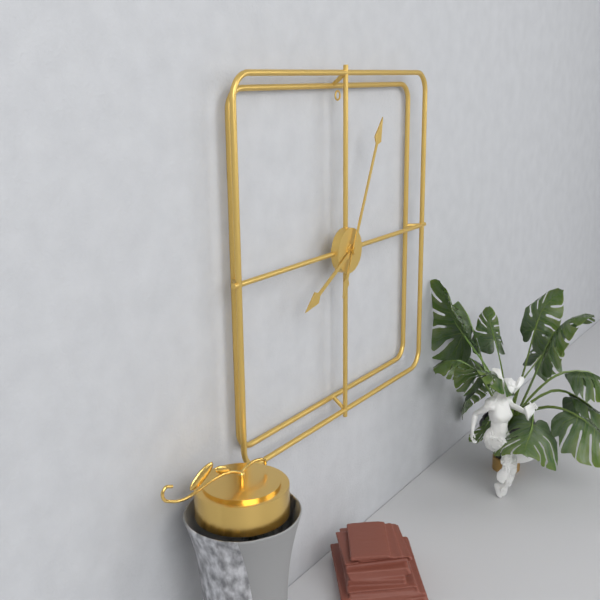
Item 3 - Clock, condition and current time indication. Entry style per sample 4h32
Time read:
8h04
